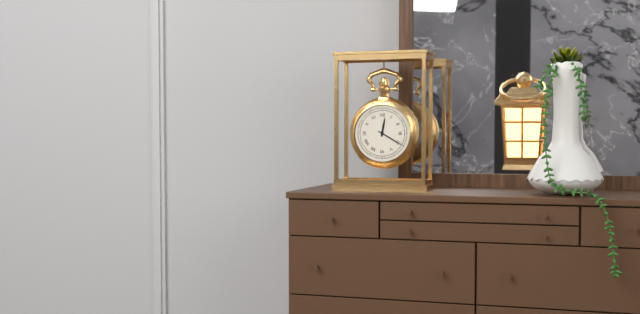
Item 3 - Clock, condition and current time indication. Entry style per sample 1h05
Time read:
12h20
